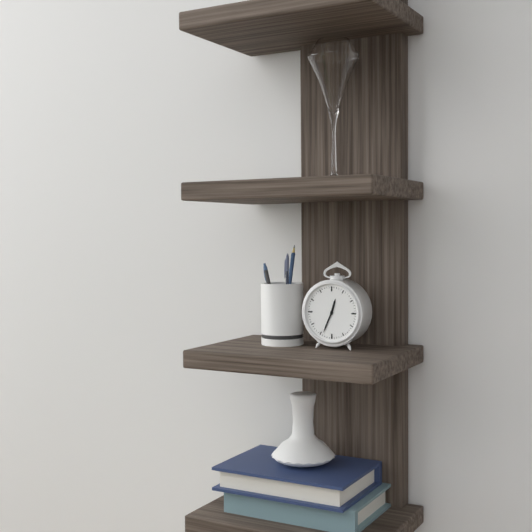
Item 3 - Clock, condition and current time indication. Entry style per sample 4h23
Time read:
12h34
